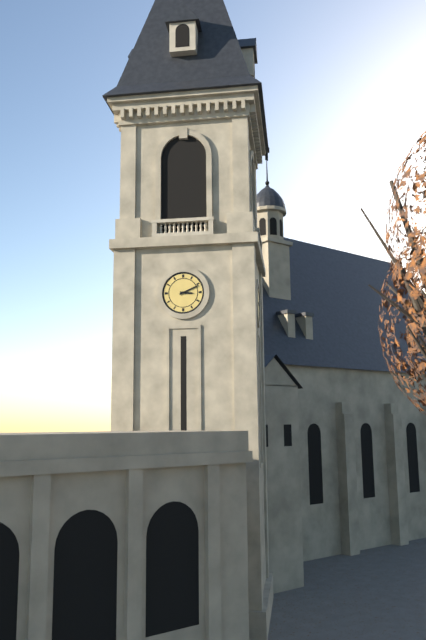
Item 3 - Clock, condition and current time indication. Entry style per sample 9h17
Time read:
3h11
